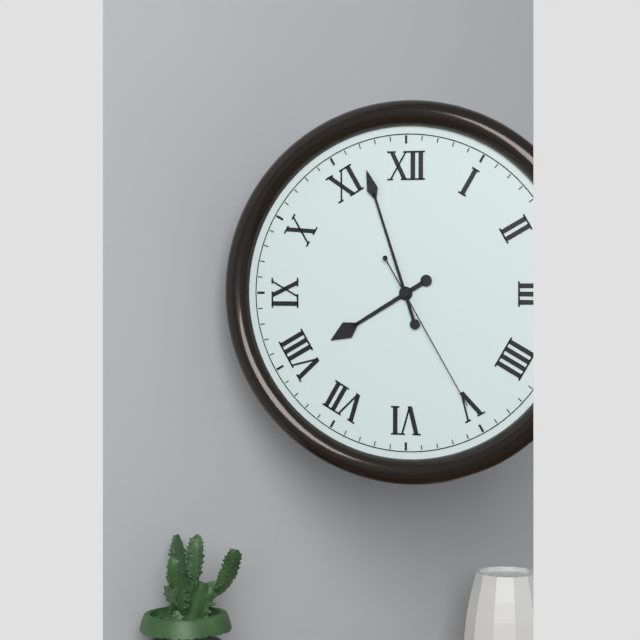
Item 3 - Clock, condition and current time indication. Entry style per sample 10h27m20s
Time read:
7h57m25s
